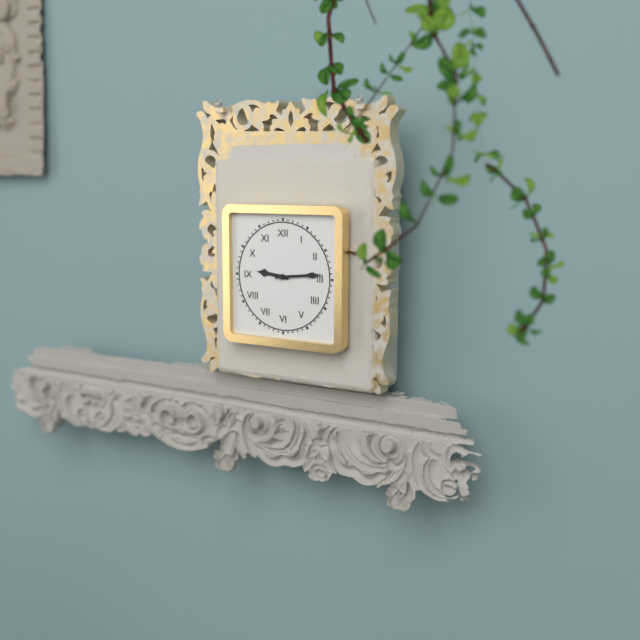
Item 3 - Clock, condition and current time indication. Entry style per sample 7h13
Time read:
9h14
